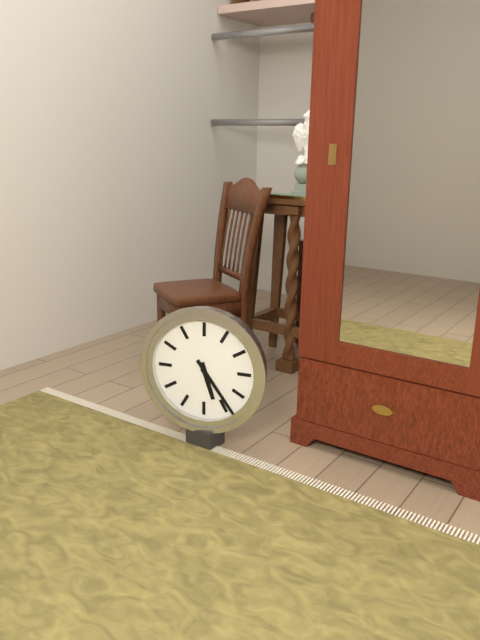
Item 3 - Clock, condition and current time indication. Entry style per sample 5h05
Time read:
5h24
